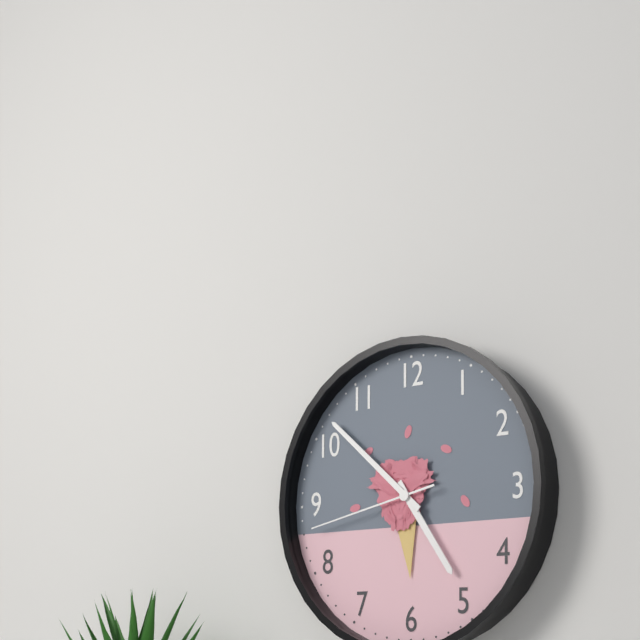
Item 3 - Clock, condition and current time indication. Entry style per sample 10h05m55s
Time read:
4h52m43s
